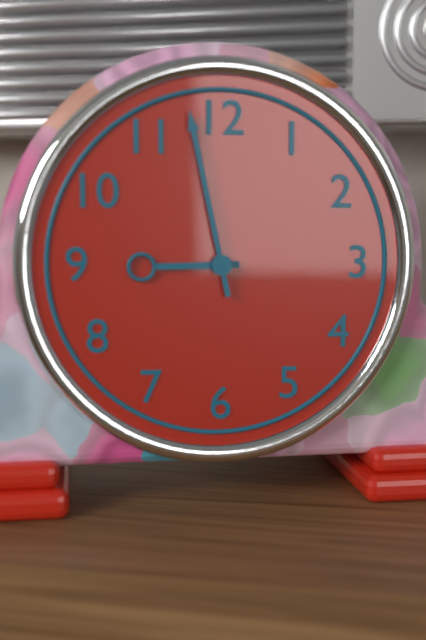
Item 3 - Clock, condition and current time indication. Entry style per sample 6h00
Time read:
8h58
